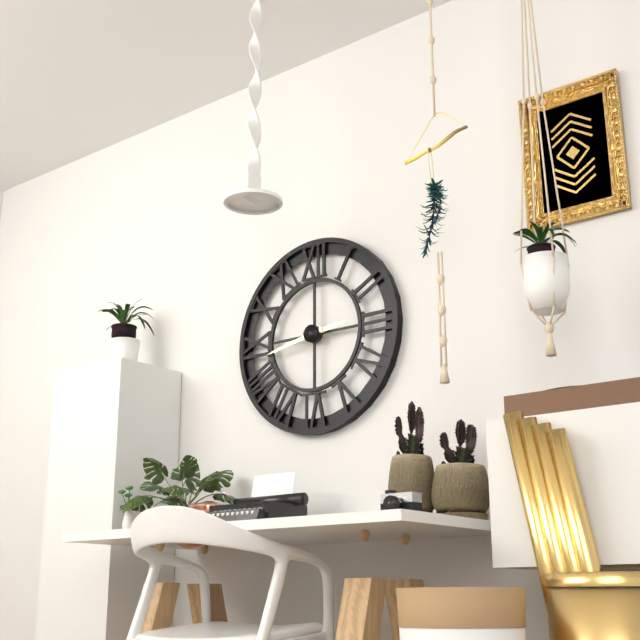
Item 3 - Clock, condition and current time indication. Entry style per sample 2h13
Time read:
2h43
